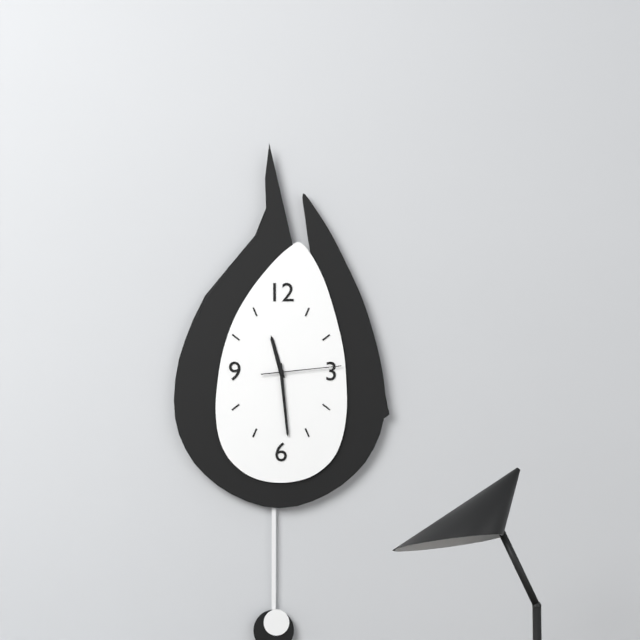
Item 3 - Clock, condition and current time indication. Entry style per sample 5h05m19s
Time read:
11h29m14s
